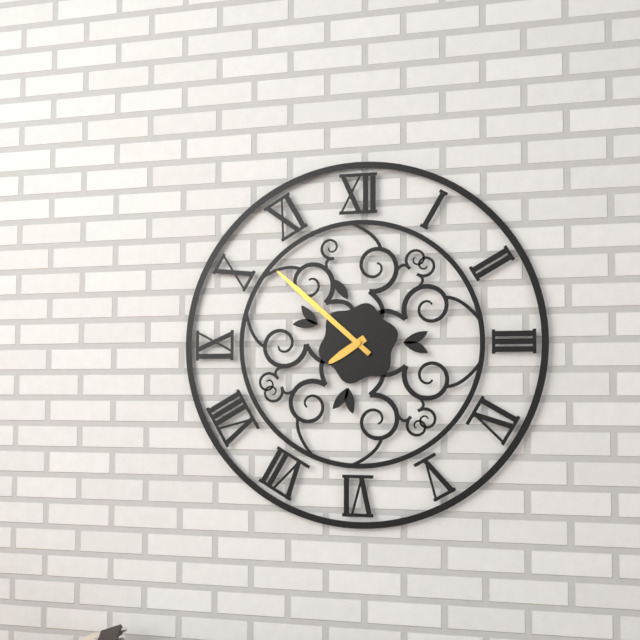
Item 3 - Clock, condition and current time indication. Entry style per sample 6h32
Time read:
7h52
